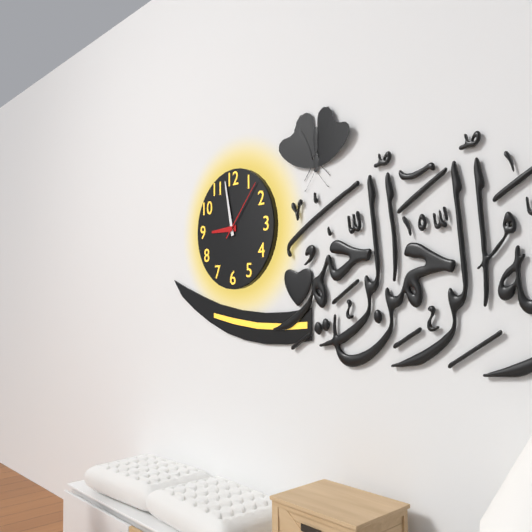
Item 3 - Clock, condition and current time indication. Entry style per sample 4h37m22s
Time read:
8h58m07s
